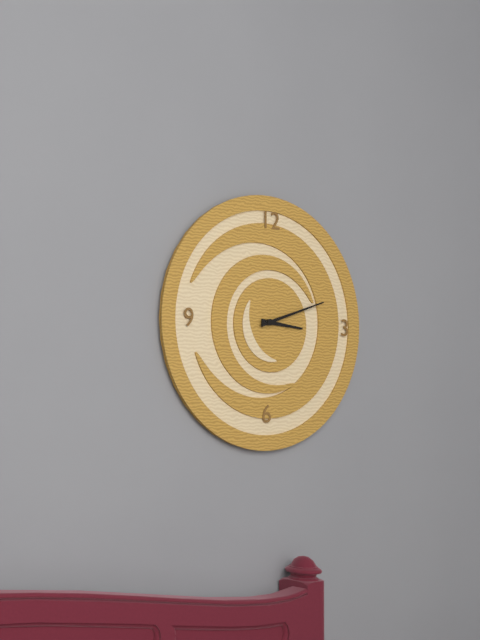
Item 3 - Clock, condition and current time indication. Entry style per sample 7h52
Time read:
3h12
